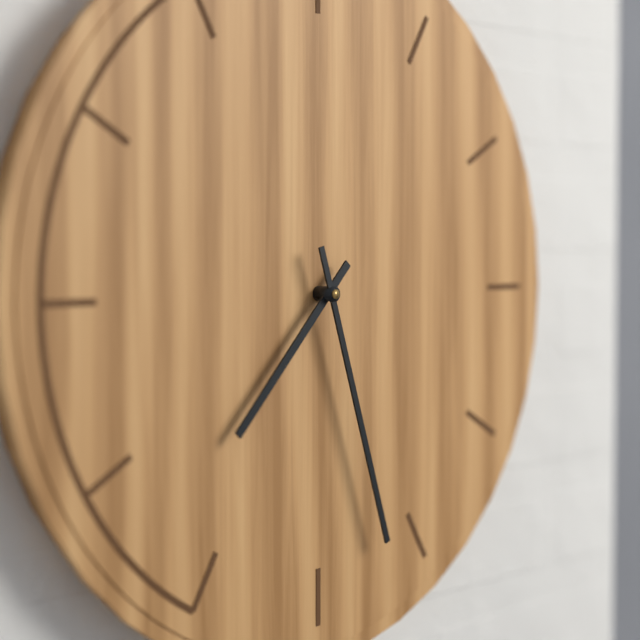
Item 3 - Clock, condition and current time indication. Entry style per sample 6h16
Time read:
7h27
